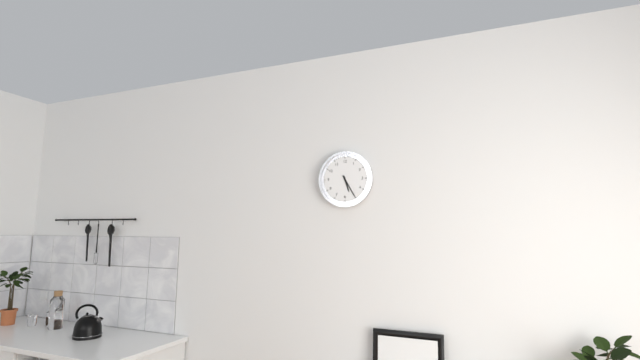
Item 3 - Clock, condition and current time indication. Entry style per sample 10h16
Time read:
5h25
